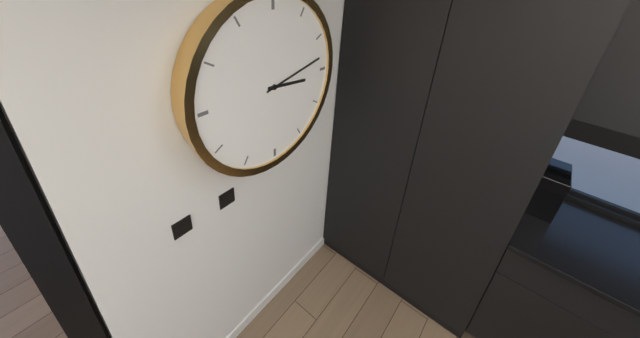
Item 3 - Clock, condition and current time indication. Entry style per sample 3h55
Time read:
3h13
